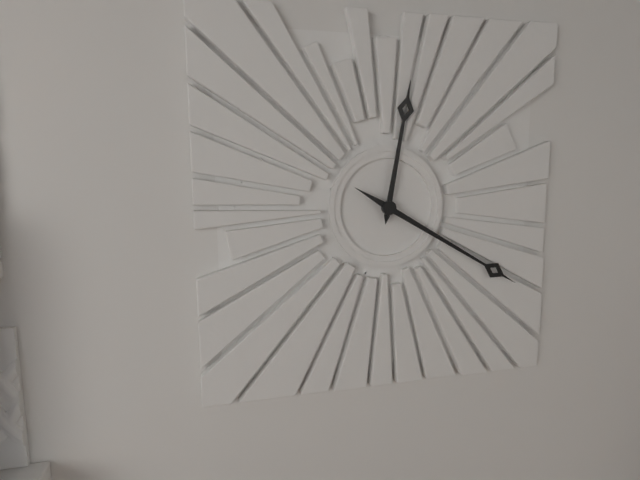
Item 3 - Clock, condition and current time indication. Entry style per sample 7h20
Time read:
12h20
